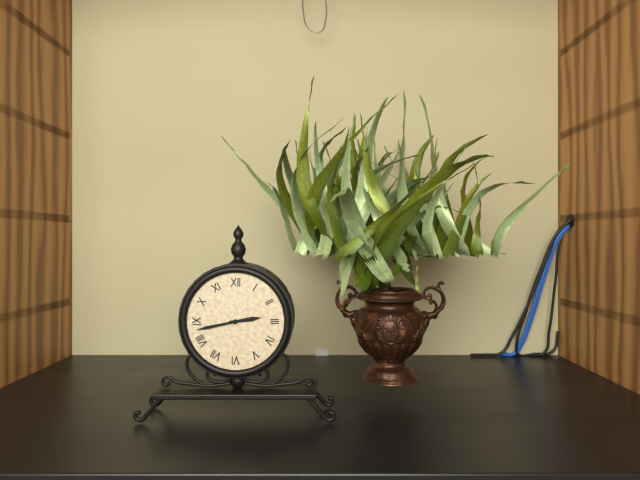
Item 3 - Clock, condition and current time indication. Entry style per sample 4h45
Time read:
2h43
